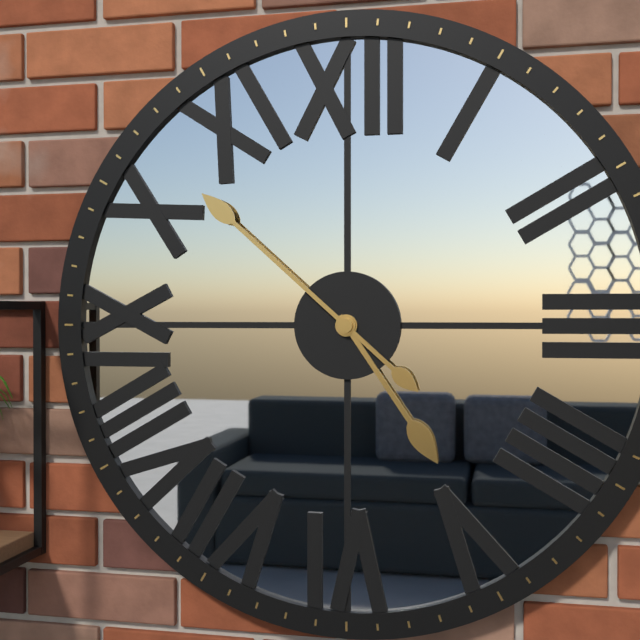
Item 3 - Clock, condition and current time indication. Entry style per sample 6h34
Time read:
4h52
